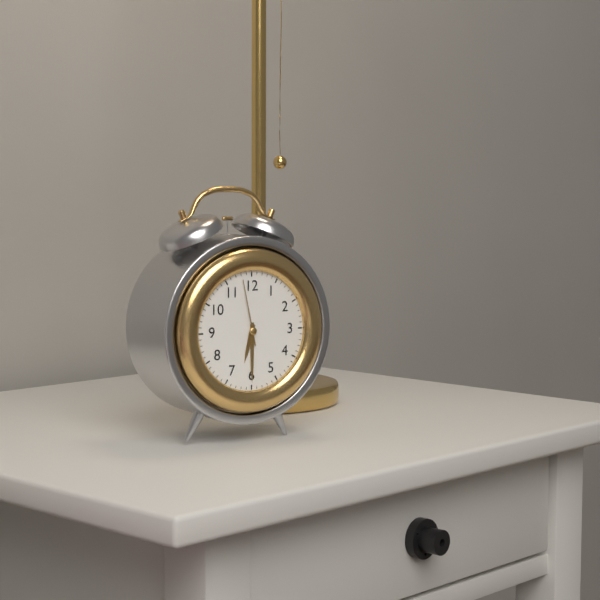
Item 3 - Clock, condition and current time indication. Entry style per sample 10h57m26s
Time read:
6h30m58s
